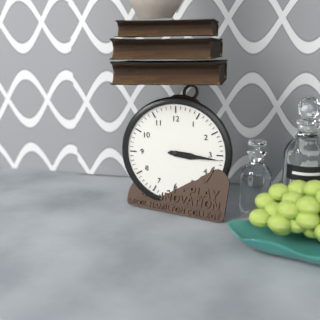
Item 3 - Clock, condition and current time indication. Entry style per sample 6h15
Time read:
3h16
